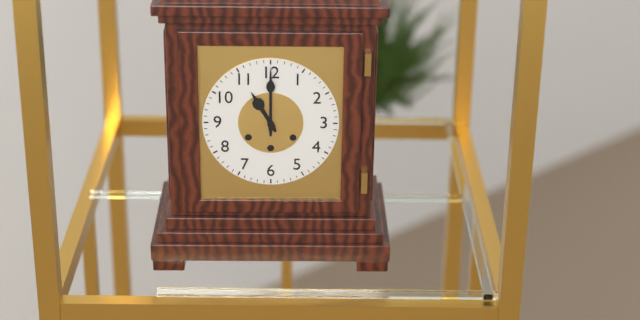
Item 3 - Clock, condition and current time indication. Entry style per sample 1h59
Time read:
11h00
